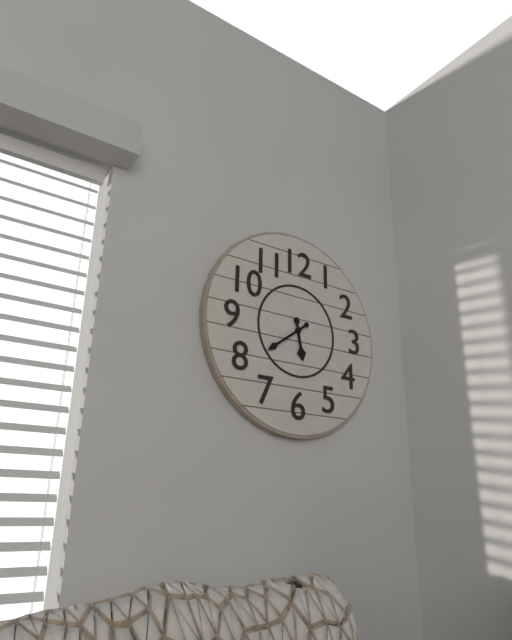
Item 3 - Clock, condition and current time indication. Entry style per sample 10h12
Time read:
5h39
